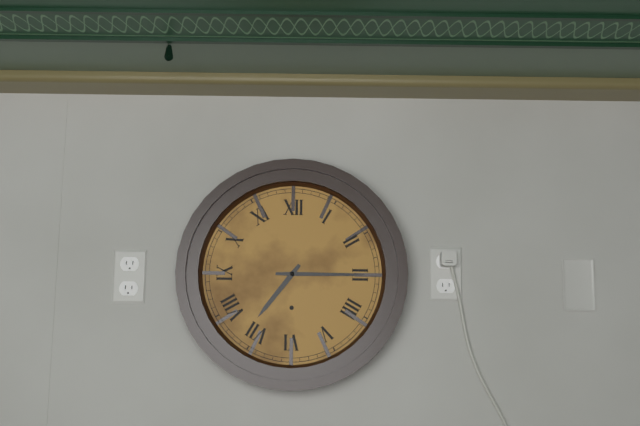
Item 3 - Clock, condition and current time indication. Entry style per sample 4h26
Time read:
7h15
